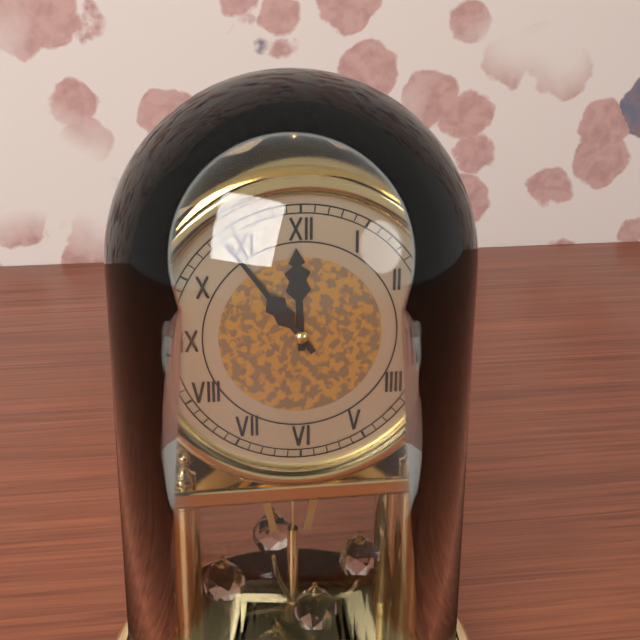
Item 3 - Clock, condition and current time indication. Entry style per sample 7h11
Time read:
11h54
